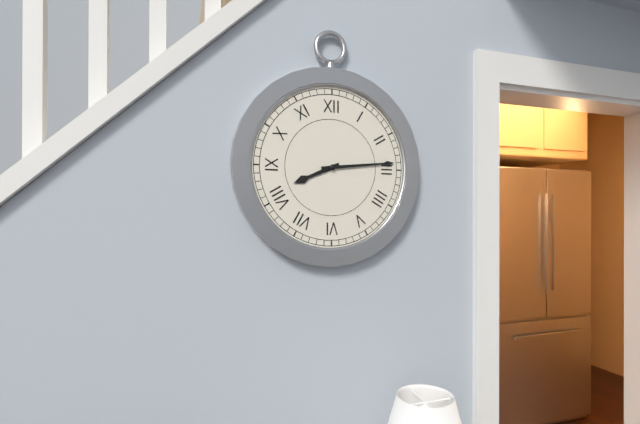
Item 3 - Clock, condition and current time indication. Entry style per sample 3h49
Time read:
8h14
